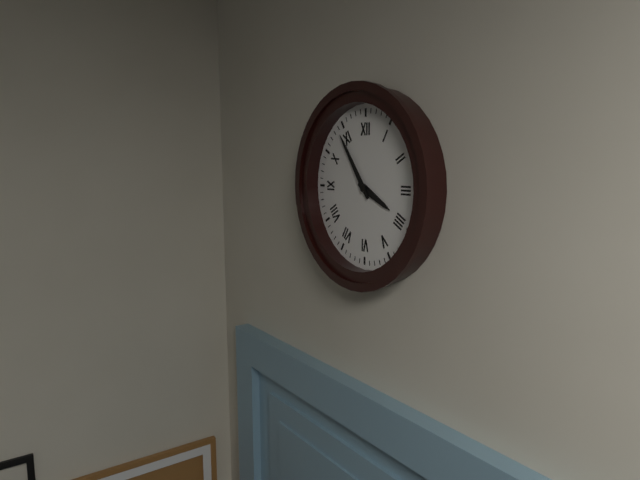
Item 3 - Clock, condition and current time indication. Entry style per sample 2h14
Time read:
3h54
